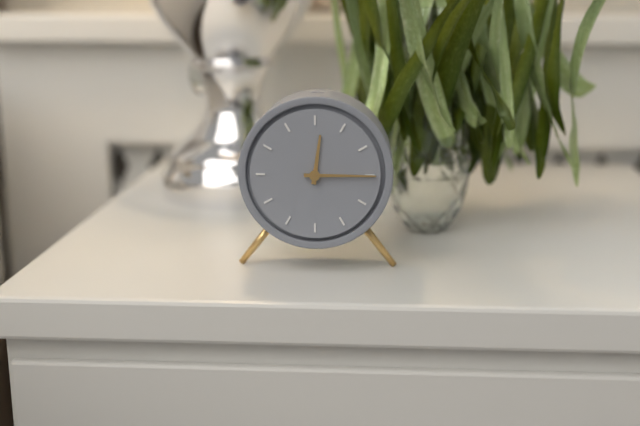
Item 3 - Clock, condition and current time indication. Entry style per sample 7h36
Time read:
12h15
